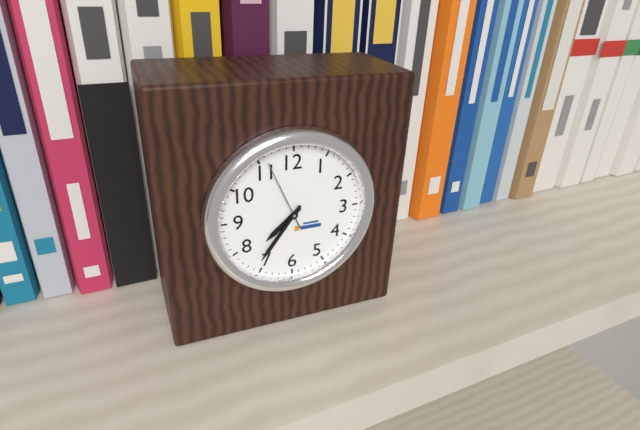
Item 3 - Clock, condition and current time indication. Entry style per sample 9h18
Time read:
7h36
